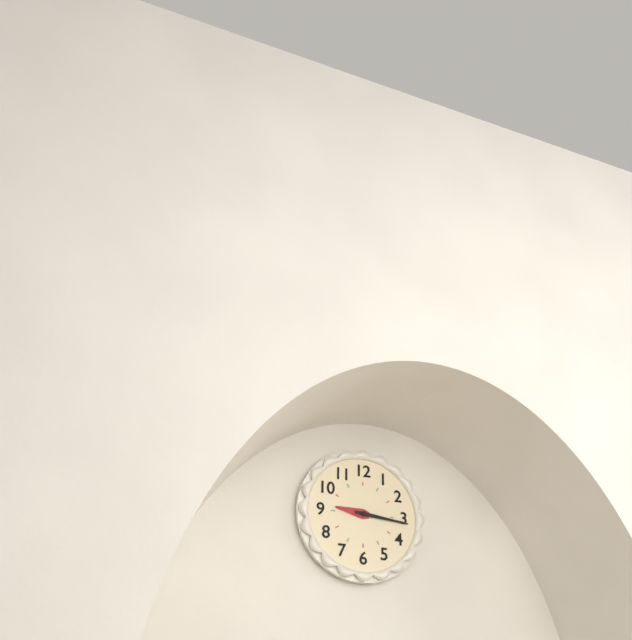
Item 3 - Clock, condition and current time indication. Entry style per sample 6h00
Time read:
9h16
